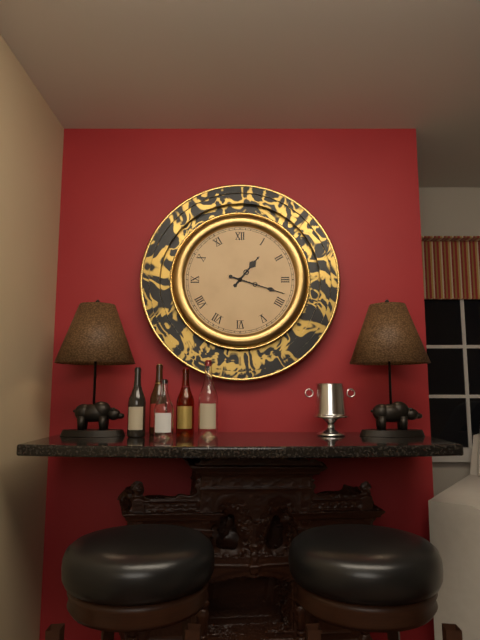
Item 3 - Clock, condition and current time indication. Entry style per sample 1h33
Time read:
1h18
